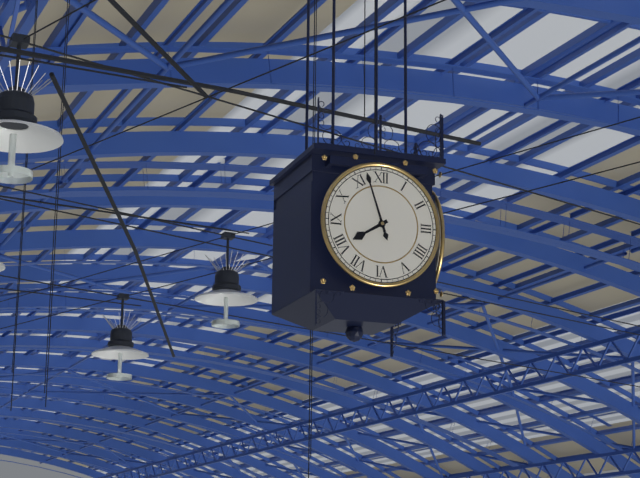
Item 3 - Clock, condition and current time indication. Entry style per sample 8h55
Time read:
7h57
